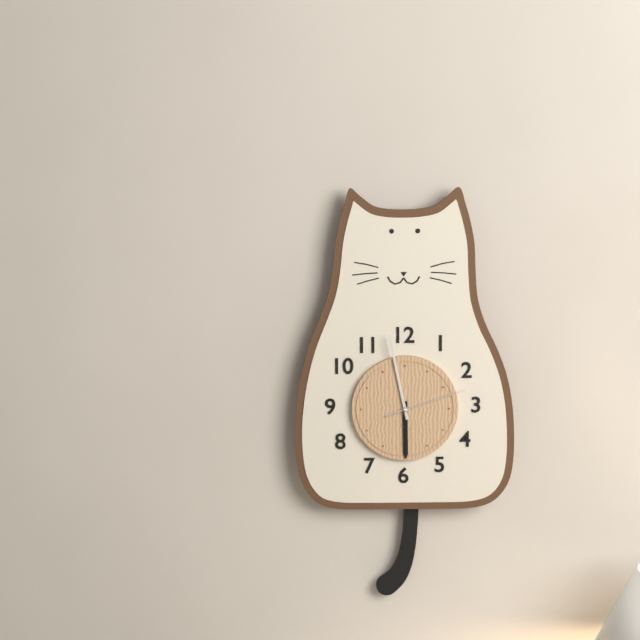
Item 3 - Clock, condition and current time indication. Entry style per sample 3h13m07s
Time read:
5h58m12s
